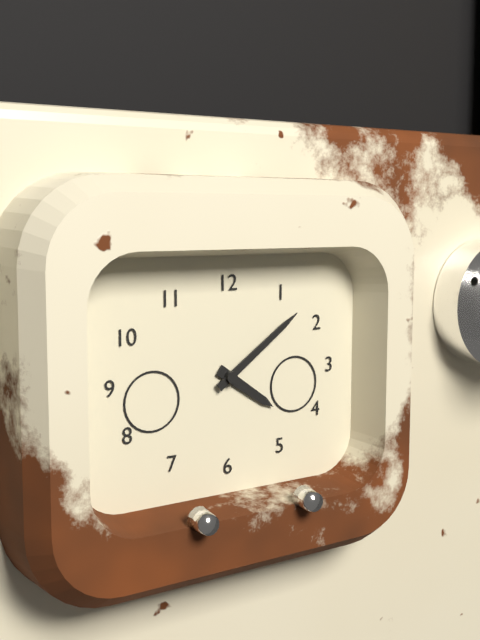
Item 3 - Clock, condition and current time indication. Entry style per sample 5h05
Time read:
4h09
